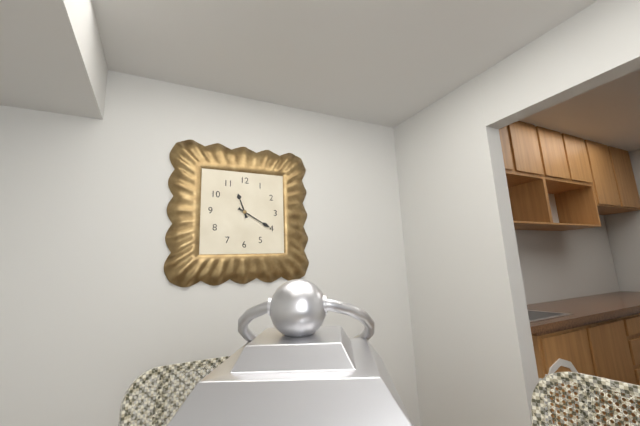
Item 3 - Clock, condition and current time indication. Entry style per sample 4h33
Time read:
11h20
